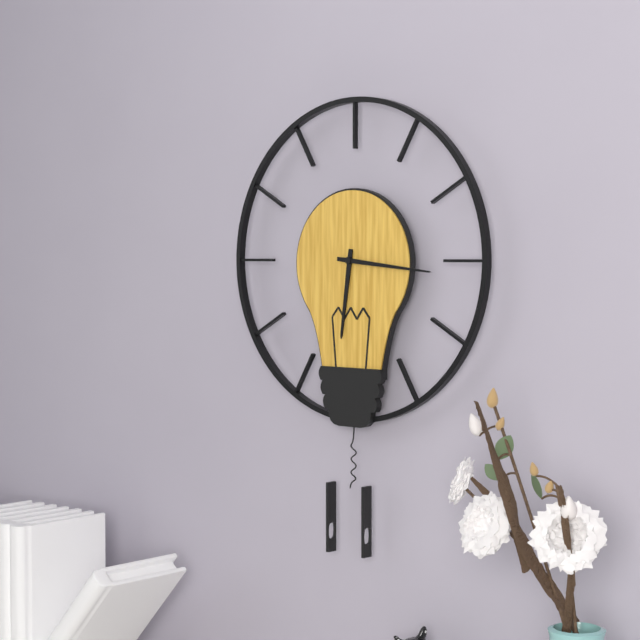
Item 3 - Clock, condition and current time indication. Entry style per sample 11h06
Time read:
6h16
